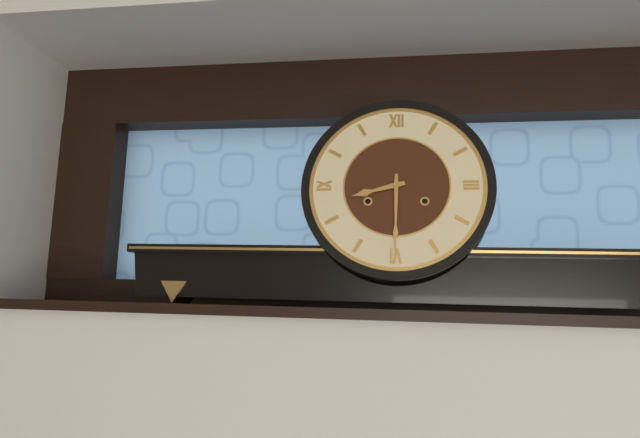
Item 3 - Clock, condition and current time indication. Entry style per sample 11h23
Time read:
8h30
